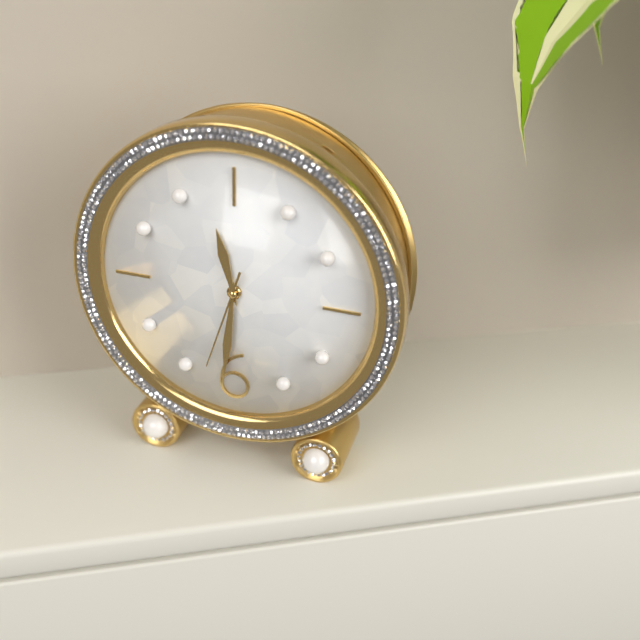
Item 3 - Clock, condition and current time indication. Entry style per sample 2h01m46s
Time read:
11h31m33s
